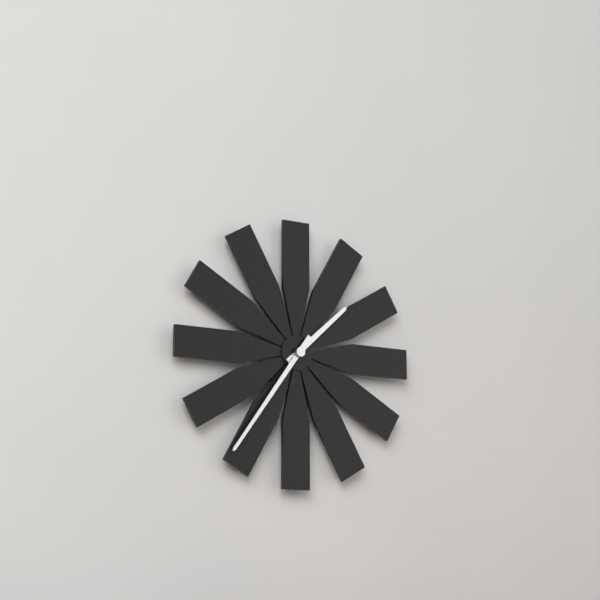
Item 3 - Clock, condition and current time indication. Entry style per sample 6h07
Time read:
1h36
